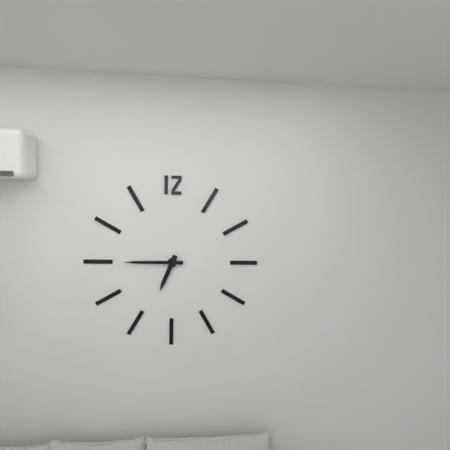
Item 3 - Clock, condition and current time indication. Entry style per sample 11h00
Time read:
6h45
